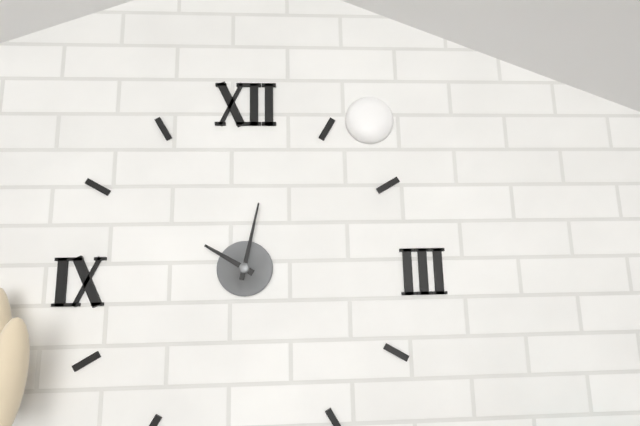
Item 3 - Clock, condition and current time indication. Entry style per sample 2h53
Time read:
10h02
